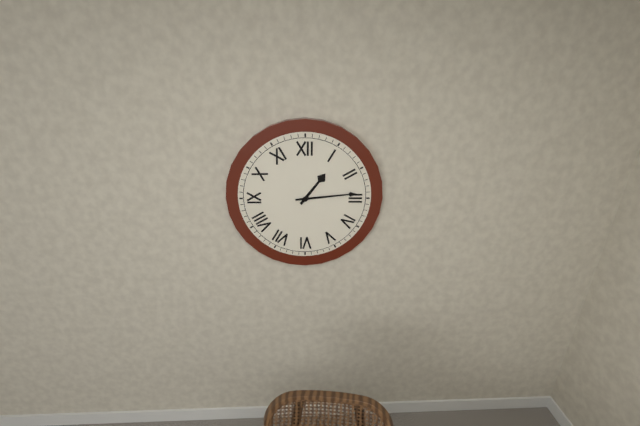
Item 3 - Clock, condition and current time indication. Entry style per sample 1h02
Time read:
1h14
